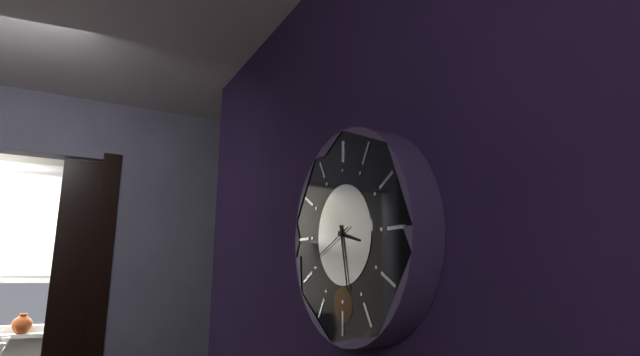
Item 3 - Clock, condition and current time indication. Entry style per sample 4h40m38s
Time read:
3h28m41s
